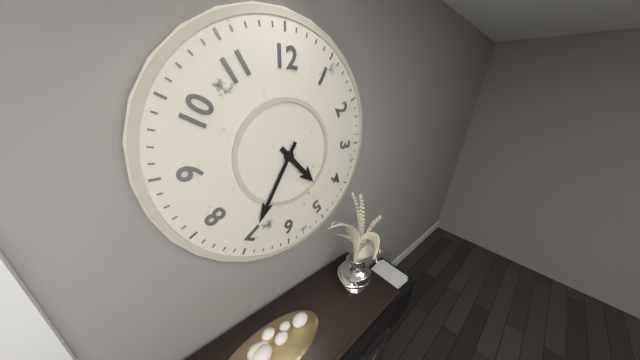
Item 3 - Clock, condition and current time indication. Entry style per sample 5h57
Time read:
4h35
